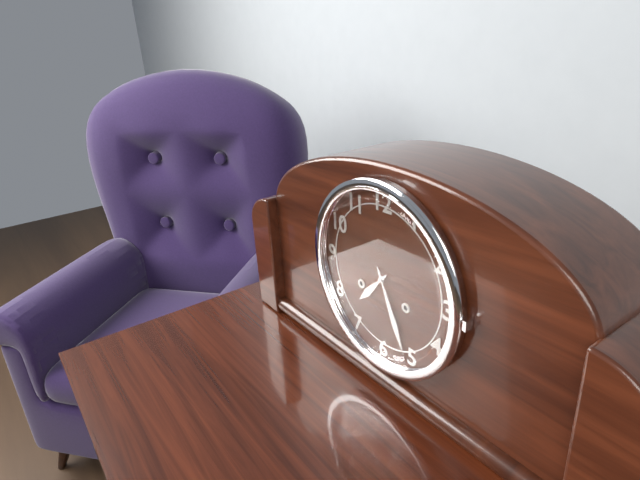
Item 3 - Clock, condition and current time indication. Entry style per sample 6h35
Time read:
7h26
